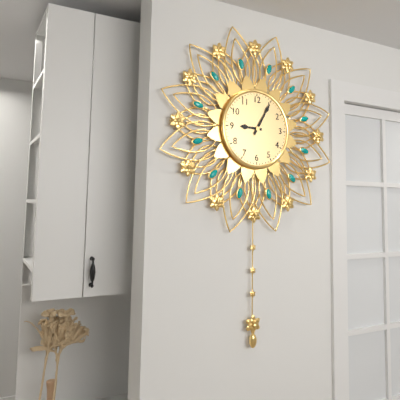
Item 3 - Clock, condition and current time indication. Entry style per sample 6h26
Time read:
9h05
